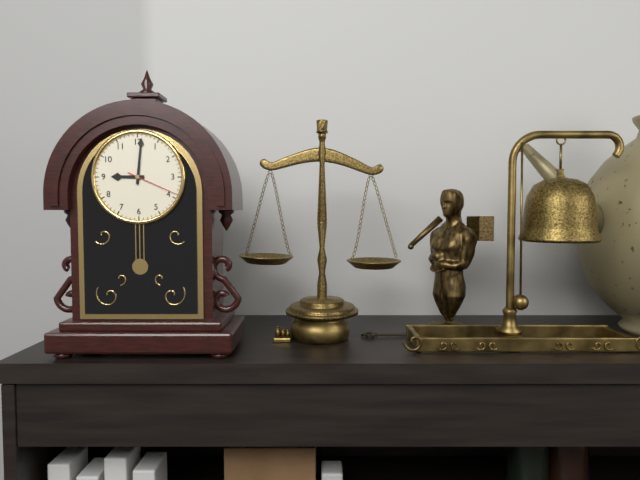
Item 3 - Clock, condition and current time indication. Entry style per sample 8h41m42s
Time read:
9h01m19s
